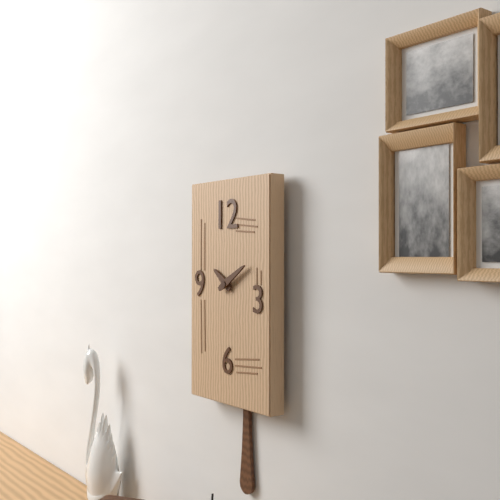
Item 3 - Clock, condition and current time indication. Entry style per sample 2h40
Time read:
10h10
